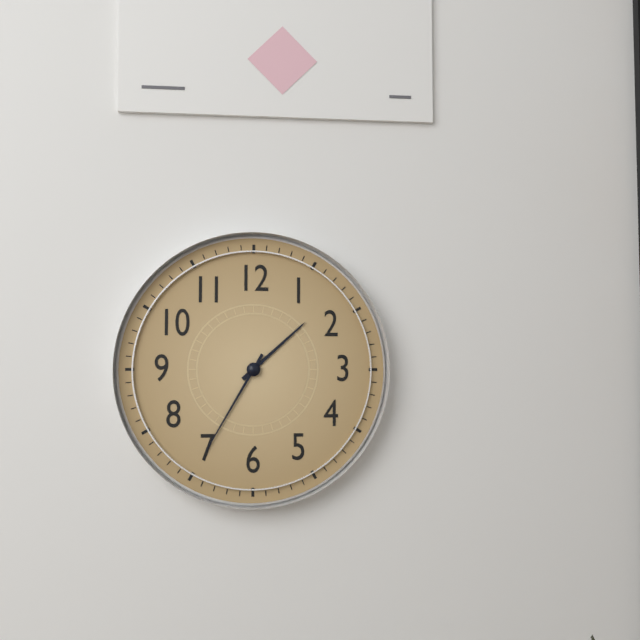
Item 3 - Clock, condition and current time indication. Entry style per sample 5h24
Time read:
1h35
